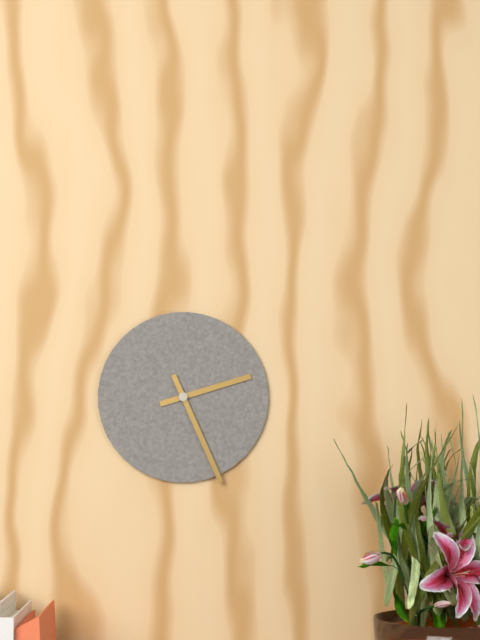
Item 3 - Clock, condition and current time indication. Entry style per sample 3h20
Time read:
2h26
